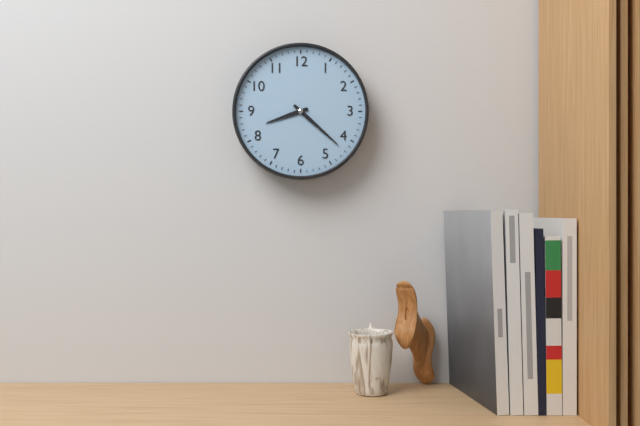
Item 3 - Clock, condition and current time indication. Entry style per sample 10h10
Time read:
8h22
